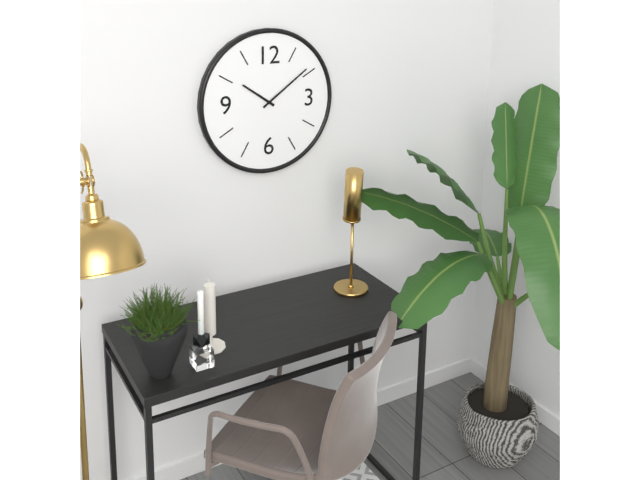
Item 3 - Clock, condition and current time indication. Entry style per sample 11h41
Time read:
10h09
